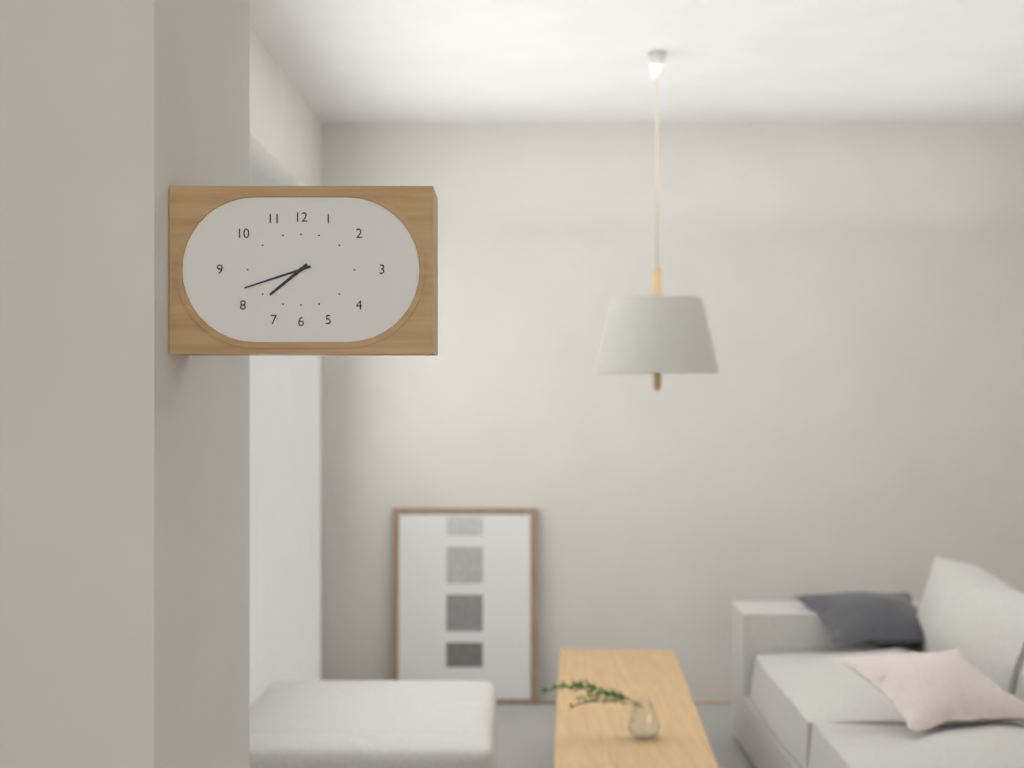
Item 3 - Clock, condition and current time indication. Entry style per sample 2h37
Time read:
7h42
